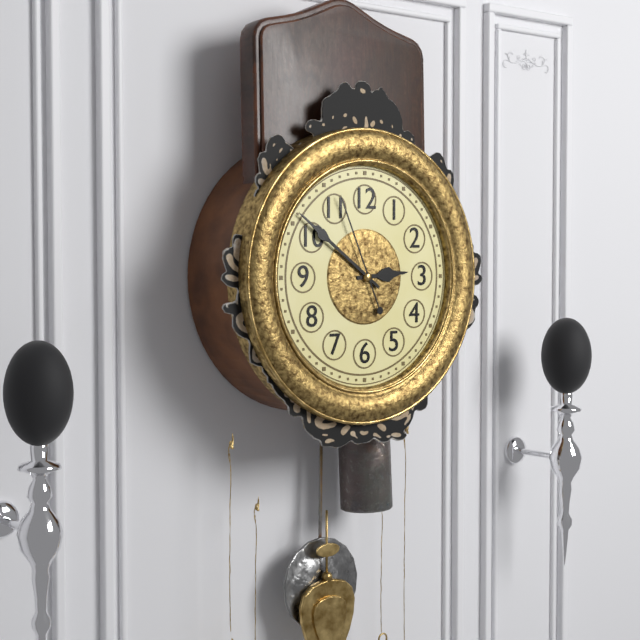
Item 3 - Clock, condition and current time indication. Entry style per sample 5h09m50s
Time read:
2h51m56s
